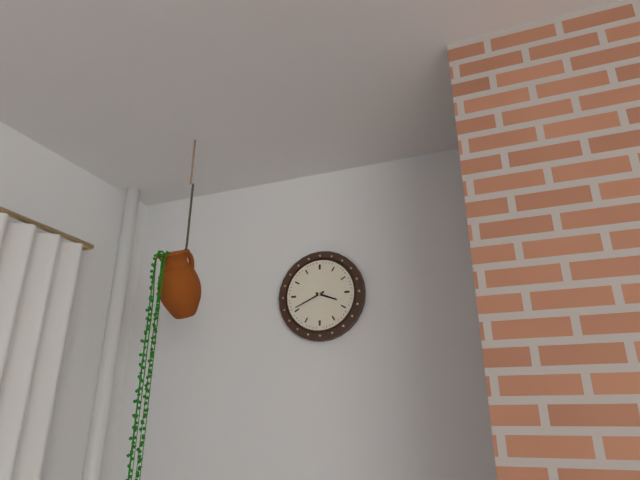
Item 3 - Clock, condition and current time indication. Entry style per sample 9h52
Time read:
3h41
